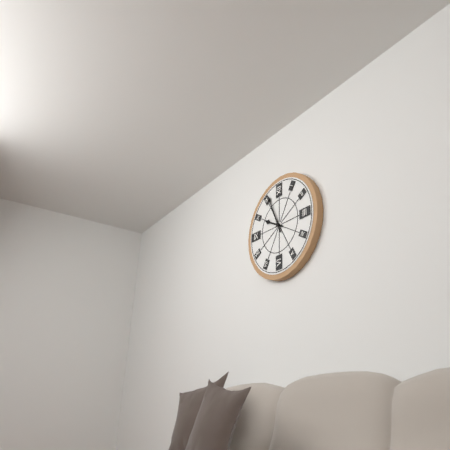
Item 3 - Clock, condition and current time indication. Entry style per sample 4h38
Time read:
9h56
